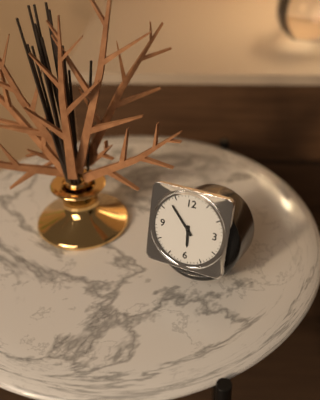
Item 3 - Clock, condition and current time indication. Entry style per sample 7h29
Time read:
5h53
